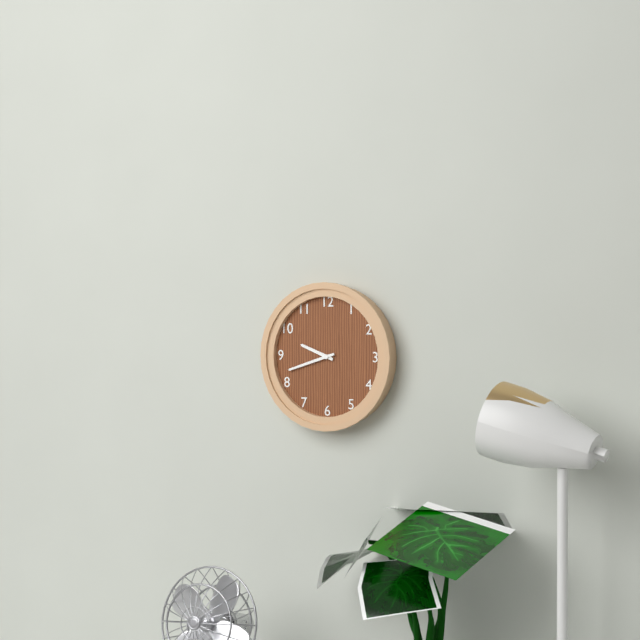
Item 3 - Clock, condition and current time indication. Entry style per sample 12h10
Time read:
9h42
